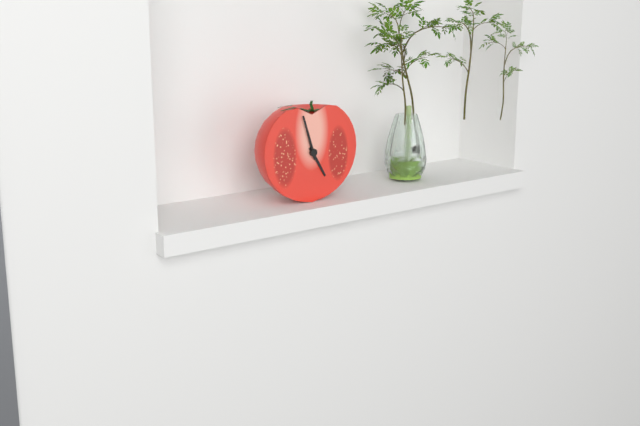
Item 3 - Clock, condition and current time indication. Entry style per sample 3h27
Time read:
4h57
